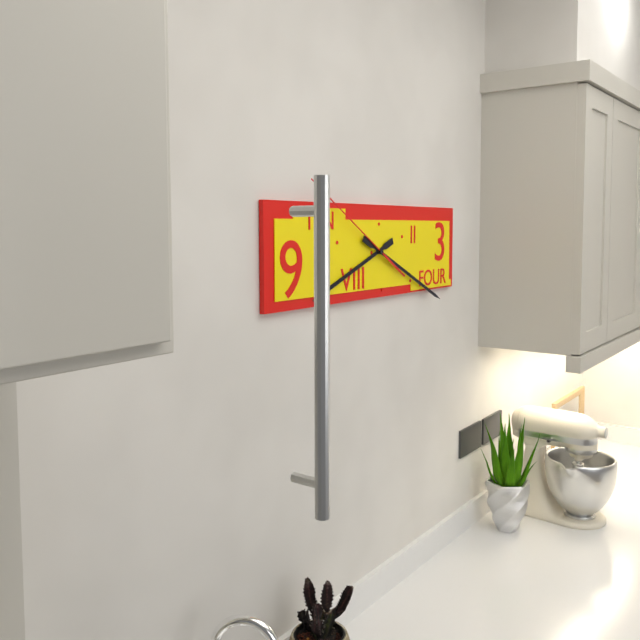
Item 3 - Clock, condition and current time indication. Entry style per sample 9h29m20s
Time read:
8h19m50s
